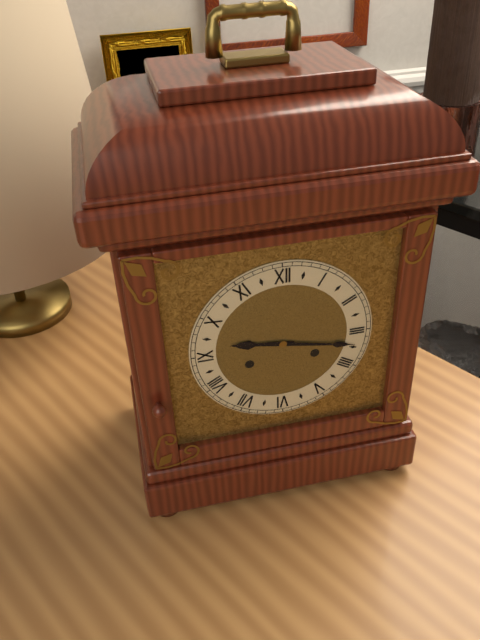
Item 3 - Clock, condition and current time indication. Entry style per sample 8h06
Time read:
9h17
